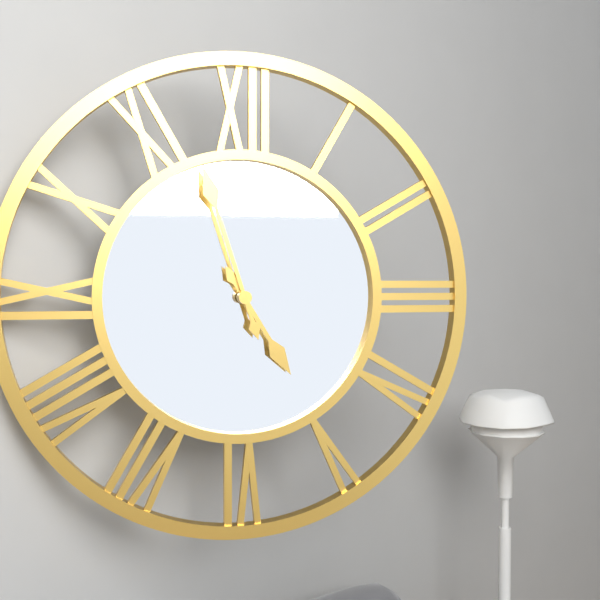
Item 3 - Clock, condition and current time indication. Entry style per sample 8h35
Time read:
4h57
